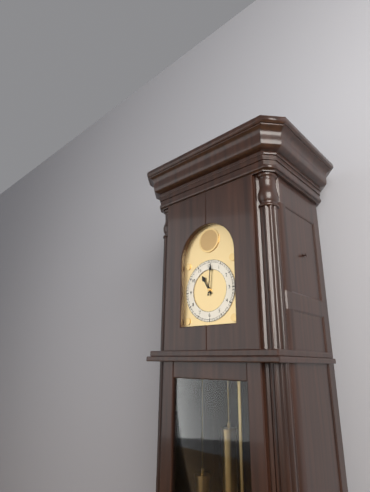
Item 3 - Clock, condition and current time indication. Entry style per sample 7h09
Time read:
11h01
